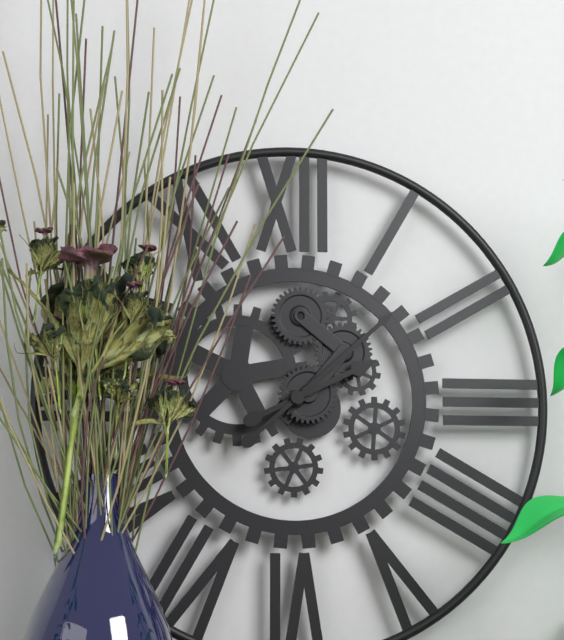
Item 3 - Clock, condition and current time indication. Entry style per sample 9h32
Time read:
2h08
